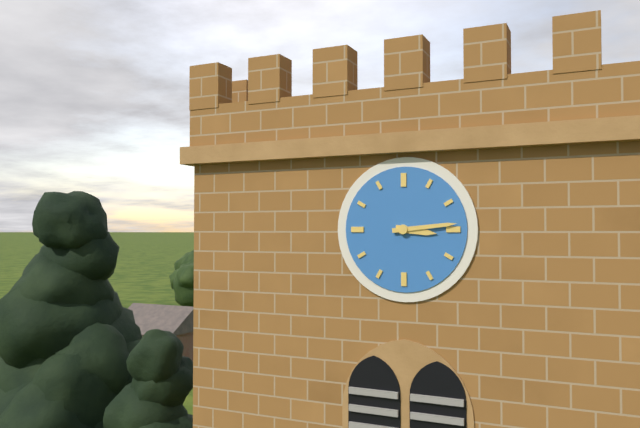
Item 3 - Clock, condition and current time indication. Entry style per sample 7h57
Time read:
3h14
